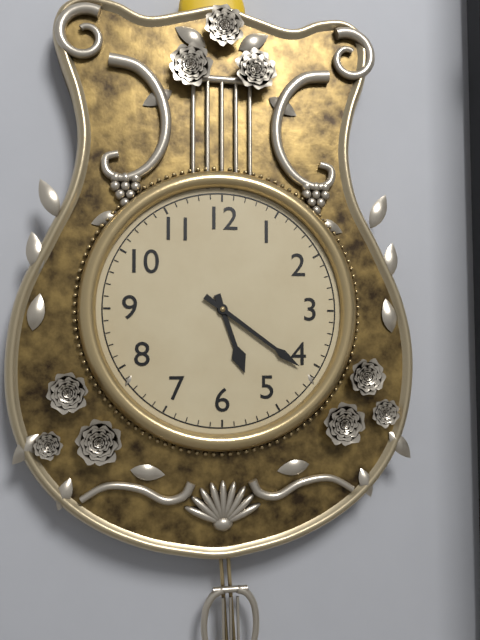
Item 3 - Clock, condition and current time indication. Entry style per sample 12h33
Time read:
5h21
